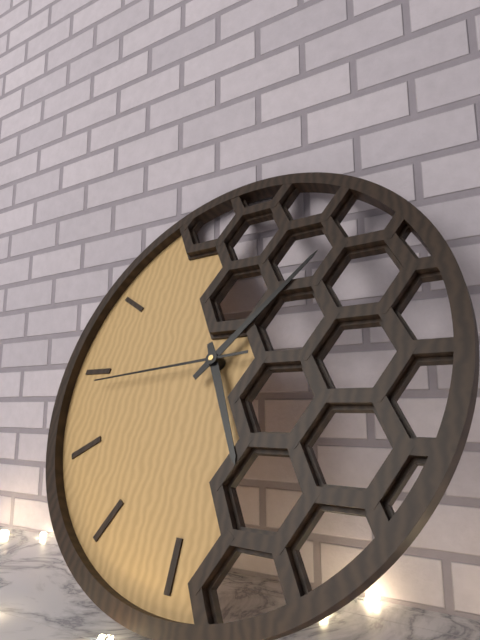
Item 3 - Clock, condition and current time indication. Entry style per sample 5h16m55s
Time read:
5h07m44s
